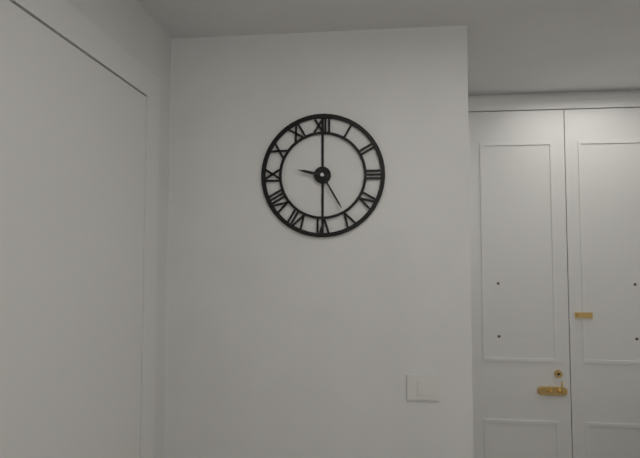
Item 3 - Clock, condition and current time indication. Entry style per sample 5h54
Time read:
9h25
